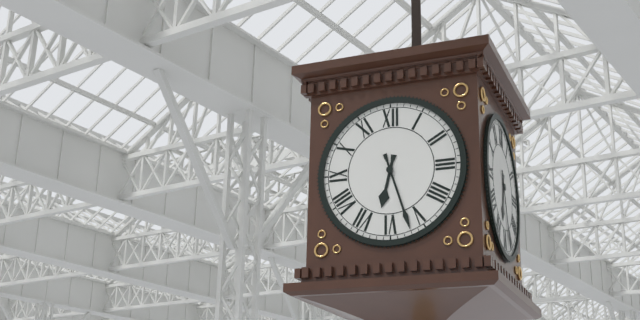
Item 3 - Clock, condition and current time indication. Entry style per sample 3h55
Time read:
6h27
